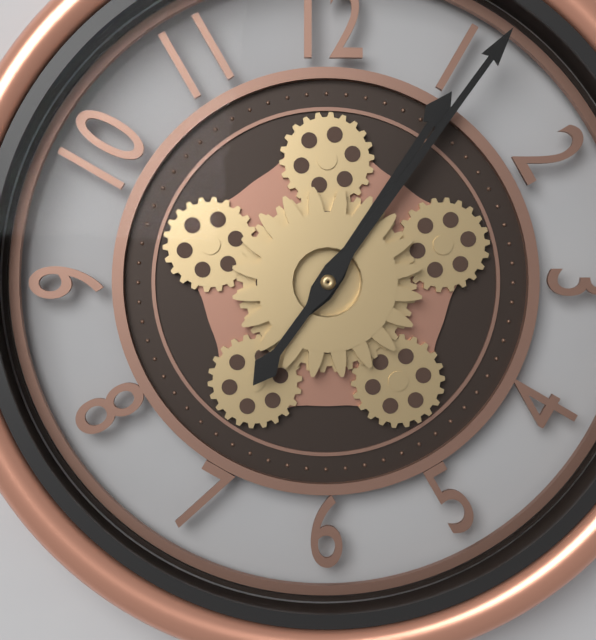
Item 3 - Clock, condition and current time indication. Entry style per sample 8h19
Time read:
1h06
